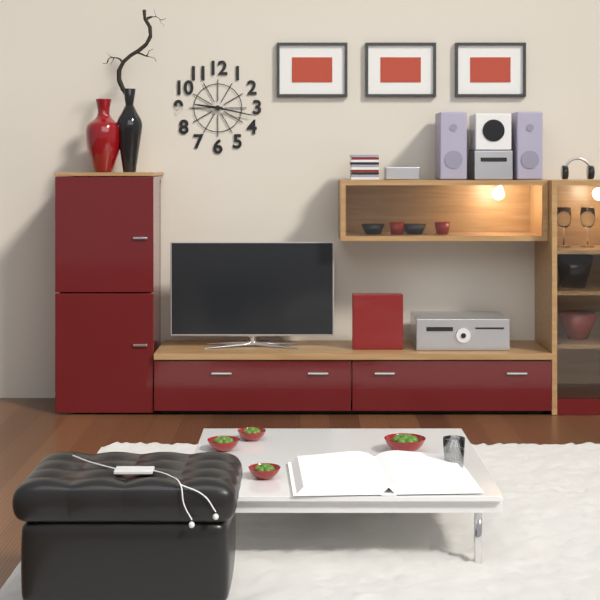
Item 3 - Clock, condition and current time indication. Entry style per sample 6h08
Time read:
9h17
